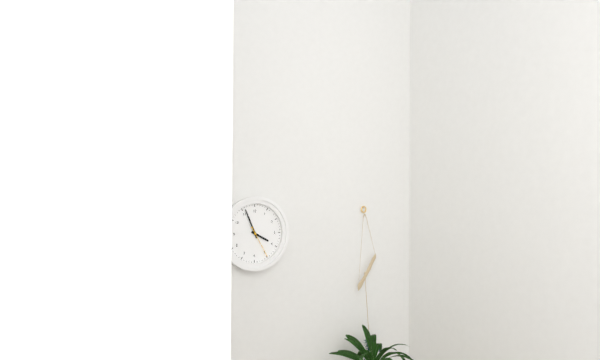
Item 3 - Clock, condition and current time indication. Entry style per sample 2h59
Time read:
3h56
